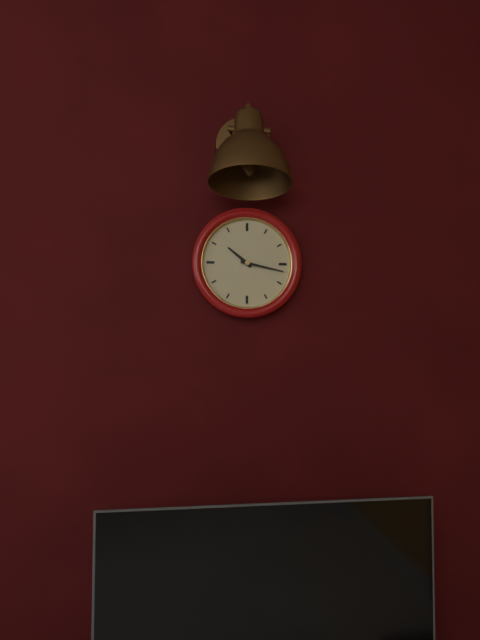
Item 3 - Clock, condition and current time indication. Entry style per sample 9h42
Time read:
10h17
